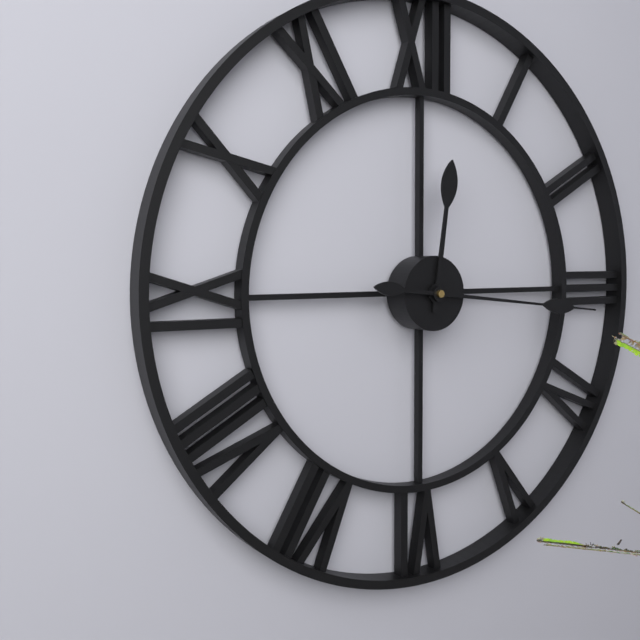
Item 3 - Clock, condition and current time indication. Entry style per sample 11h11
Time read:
12h16
